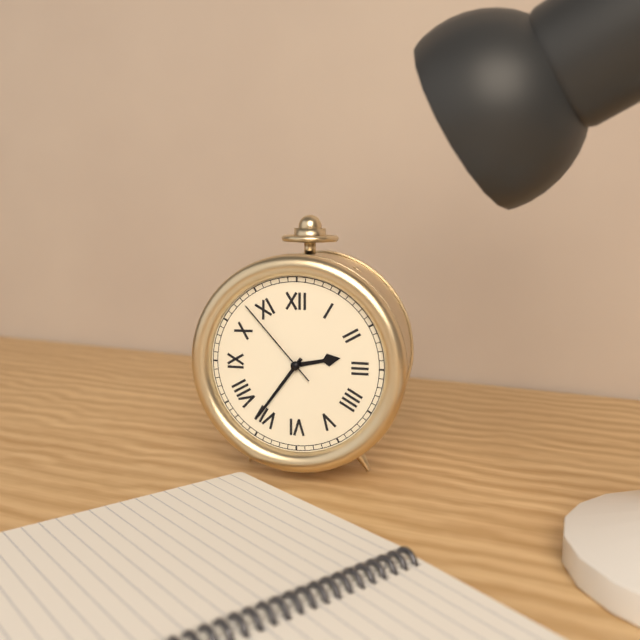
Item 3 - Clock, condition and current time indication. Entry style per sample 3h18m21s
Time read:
2h36m53s
